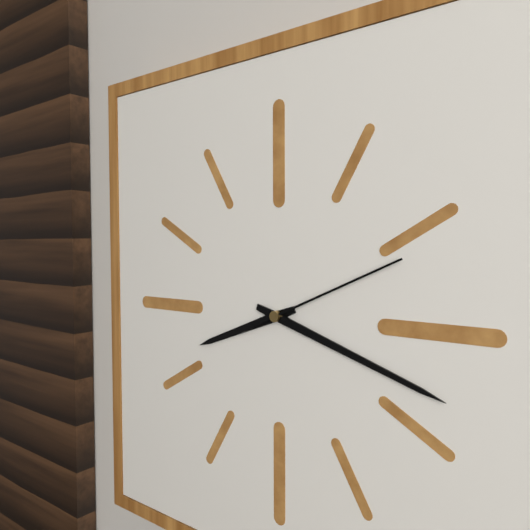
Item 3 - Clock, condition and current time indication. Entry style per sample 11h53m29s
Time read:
8h18m11s
